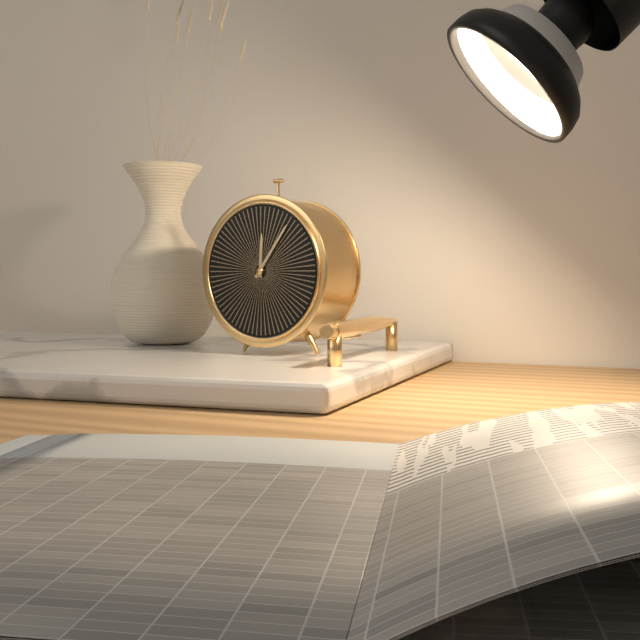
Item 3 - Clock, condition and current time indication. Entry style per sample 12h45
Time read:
12h06
